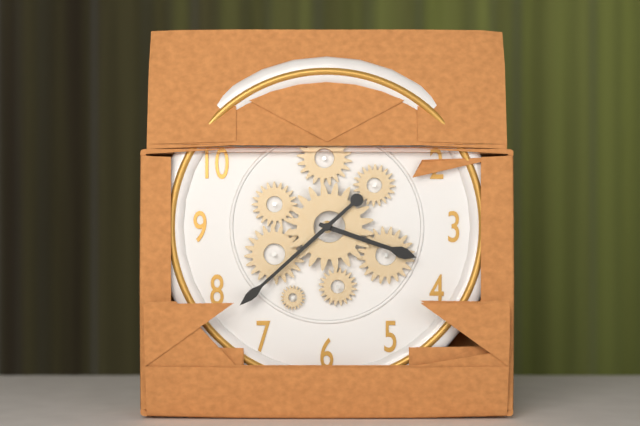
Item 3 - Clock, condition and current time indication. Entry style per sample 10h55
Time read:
3h38
